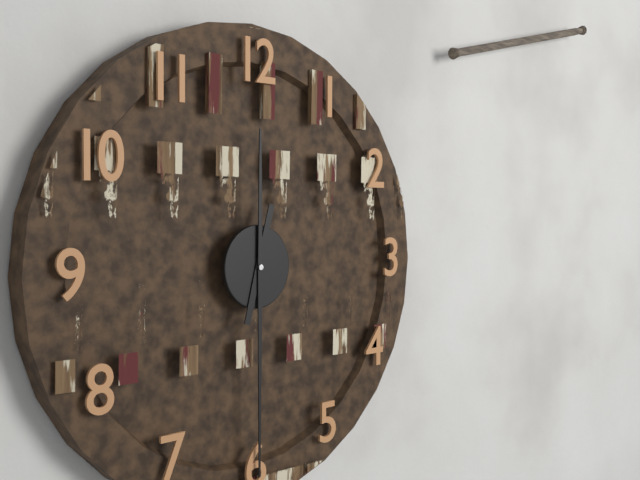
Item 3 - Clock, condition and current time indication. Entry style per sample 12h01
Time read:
12h30
